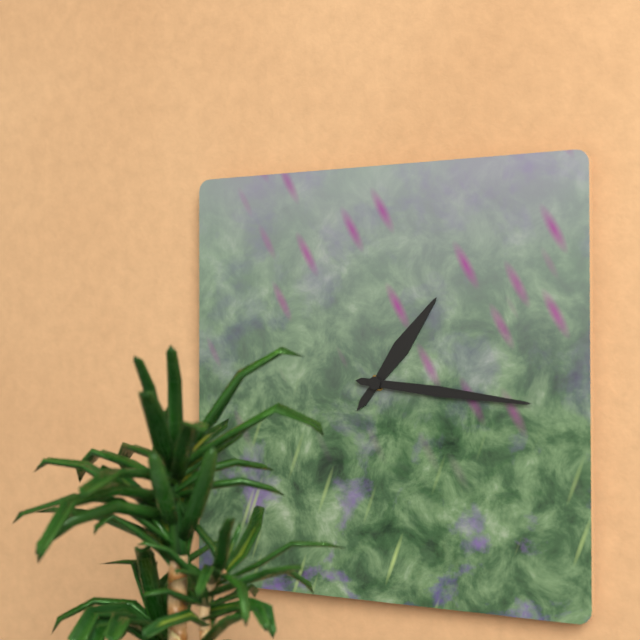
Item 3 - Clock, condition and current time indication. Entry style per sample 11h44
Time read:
1h16
